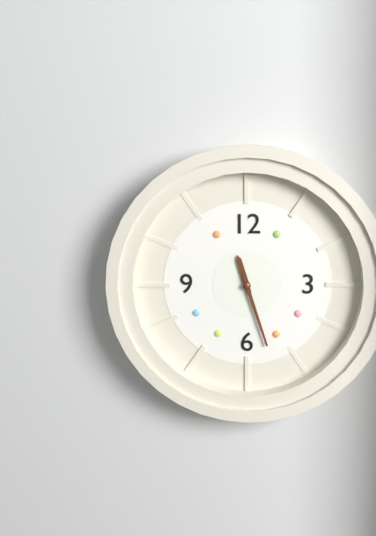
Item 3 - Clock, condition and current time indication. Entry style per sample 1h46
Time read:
11h27
